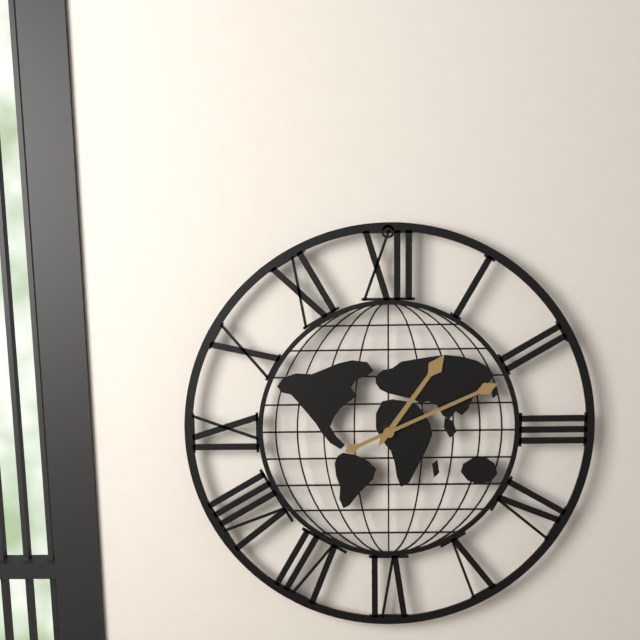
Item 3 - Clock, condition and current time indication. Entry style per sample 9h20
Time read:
1h11
